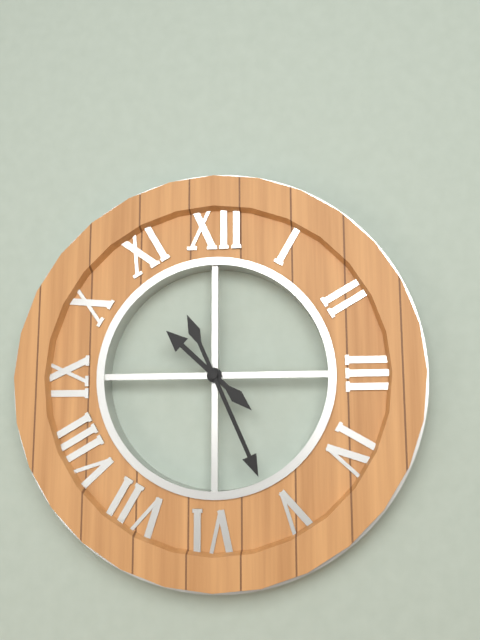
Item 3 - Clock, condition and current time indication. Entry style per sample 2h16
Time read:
10h26
